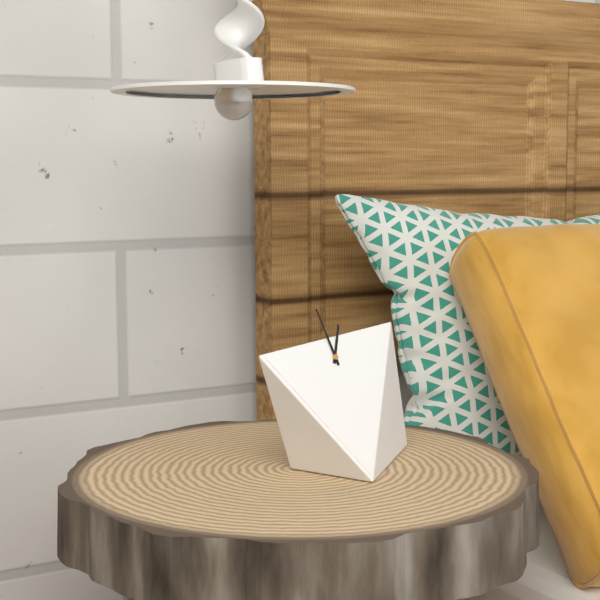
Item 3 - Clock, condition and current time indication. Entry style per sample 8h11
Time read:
12h59
